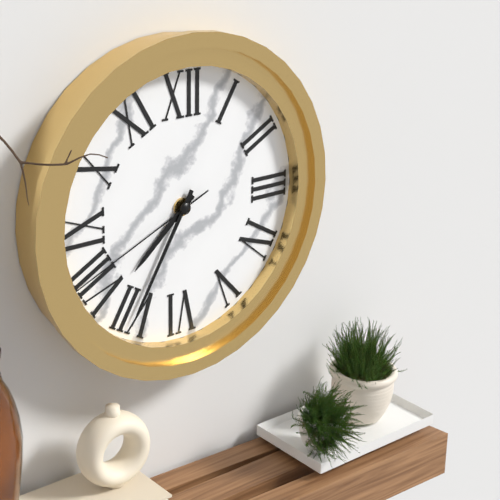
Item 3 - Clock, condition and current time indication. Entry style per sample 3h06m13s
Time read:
7h35m41s
